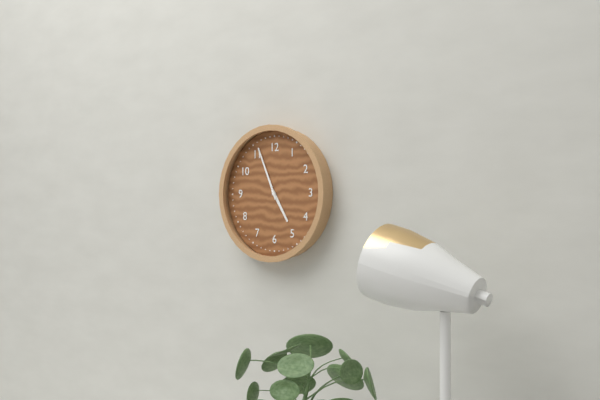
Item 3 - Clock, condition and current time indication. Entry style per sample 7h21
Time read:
4h56
